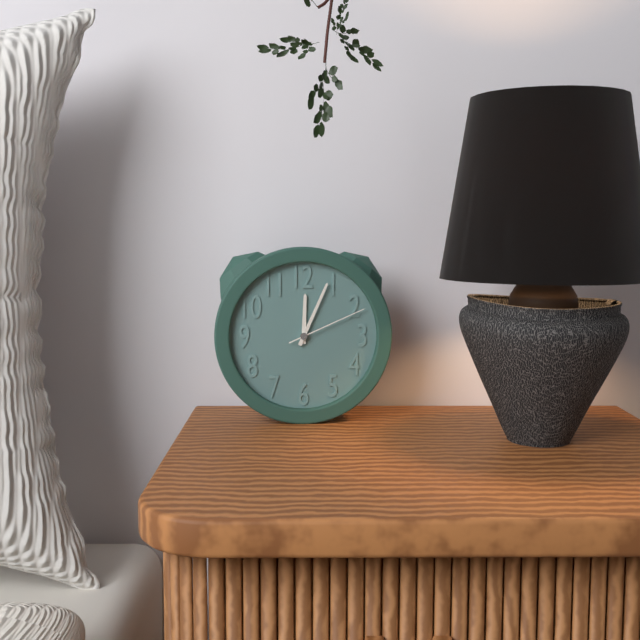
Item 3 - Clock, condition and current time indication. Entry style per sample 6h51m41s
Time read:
12h04m11s
